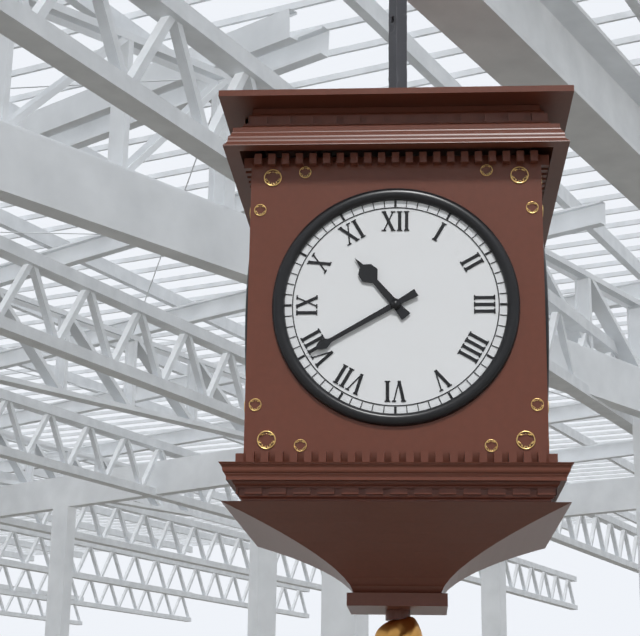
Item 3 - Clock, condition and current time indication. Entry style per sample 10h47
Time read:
10h40
